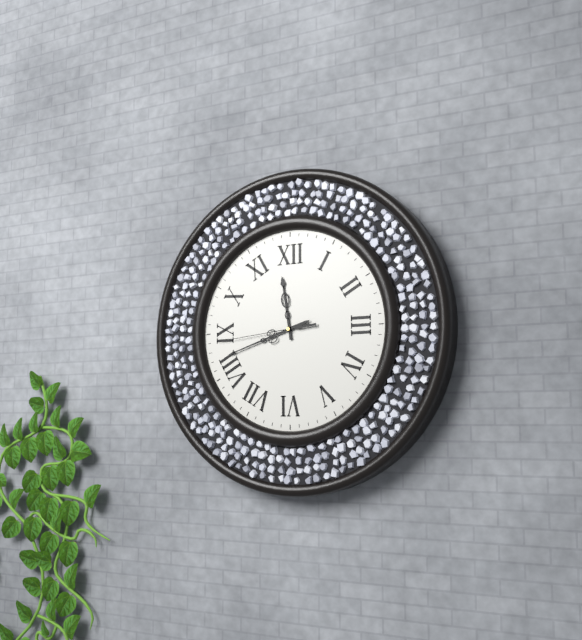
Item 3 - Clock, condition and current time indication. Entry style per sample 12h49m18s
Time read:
11h42m44s
